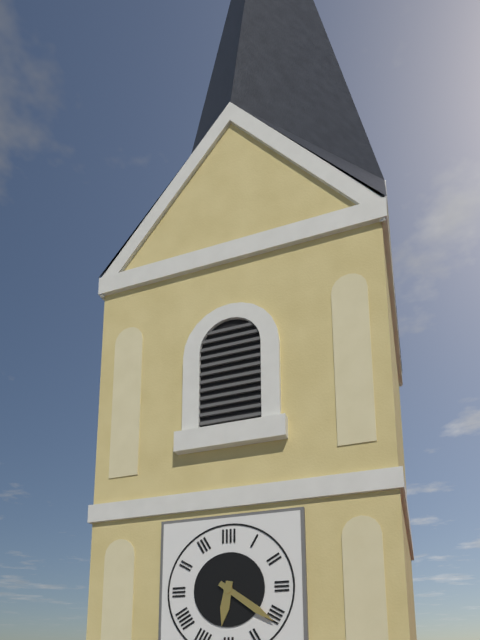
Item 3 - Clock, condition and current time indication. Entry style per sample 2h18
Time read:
6h21
